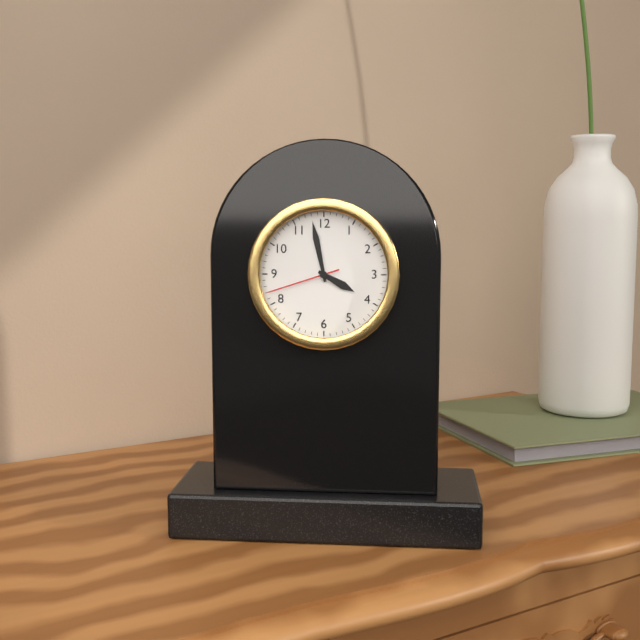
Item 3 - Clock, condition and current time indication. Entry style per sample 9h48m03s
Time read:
3h58m42s
